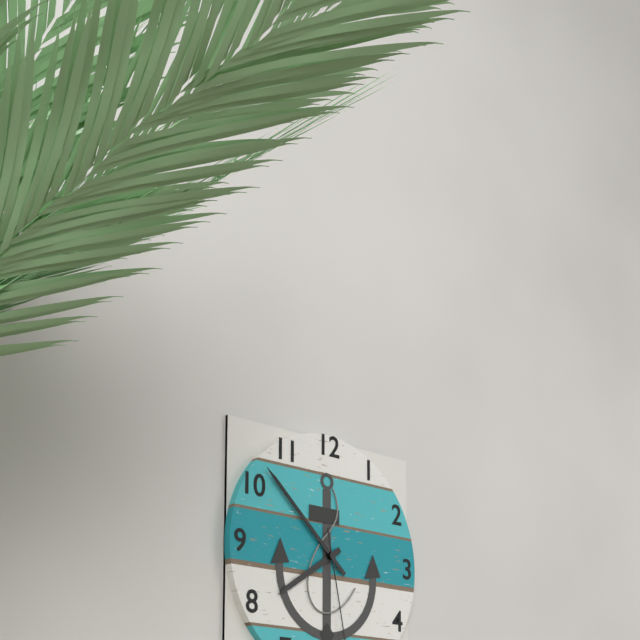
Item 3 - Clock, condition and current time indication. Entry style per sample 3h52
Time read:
7h52
